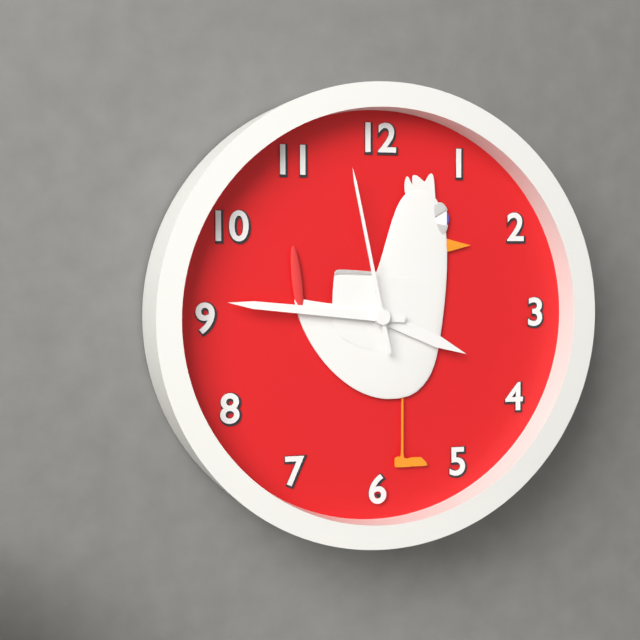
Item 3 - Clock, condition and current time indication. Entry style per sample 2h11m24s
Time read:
3h46m58s
